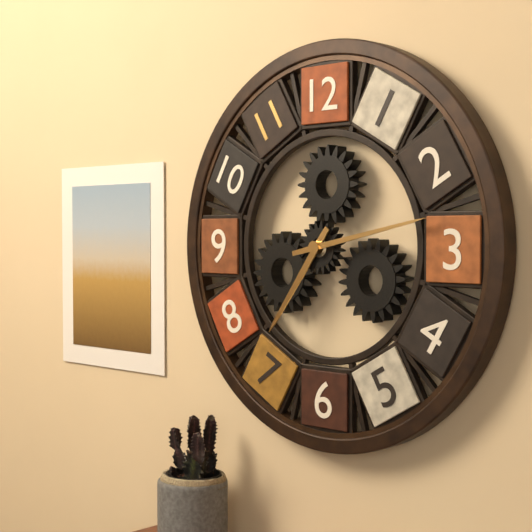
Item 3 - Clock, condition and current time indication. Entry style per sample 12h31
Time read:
7h13
